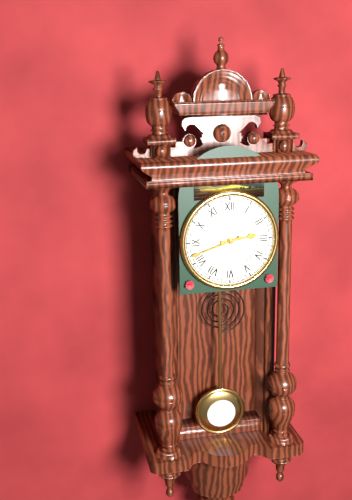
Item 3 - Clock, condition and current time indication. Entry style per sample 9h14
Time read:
2h42
